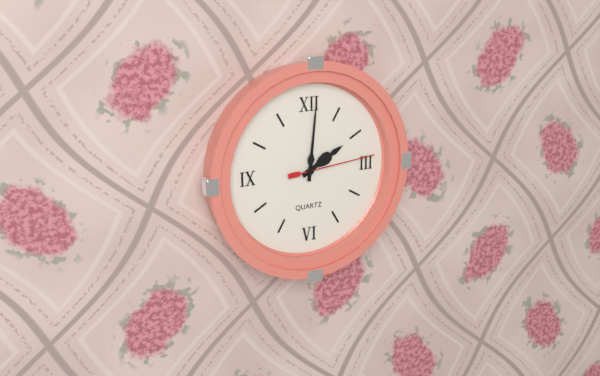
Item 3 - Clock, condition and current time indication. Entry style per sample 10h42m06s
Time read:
2h01m14s
